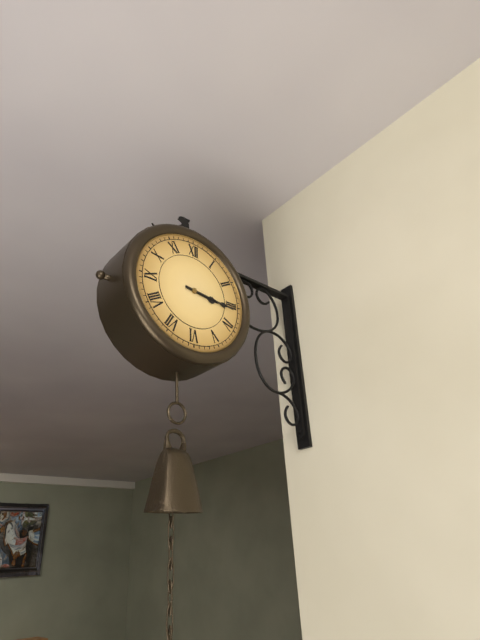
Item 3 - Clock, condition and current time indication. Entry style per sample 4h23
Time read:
3h16
